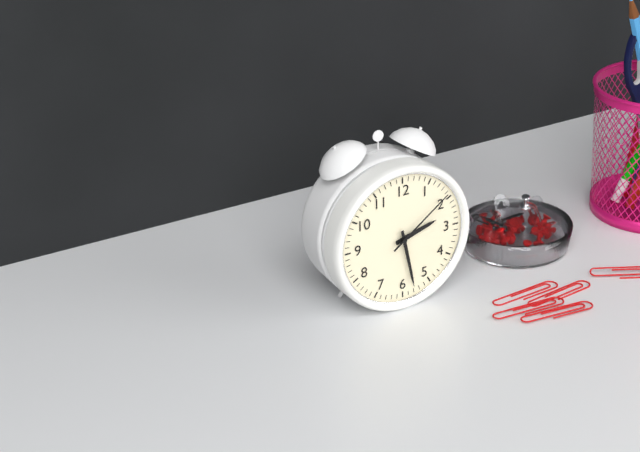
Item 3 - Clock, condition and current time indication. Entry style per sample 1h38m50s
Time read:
2h28m09s
